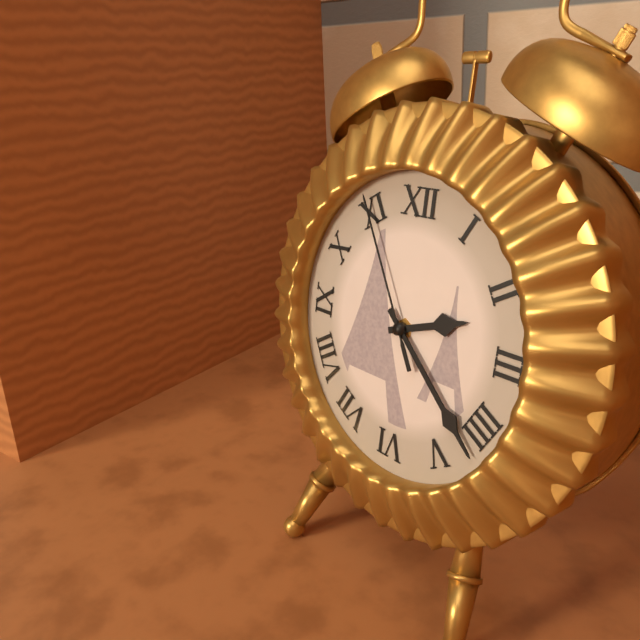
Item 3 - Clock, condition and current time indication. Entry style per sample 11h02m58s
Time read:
2h22m55s
